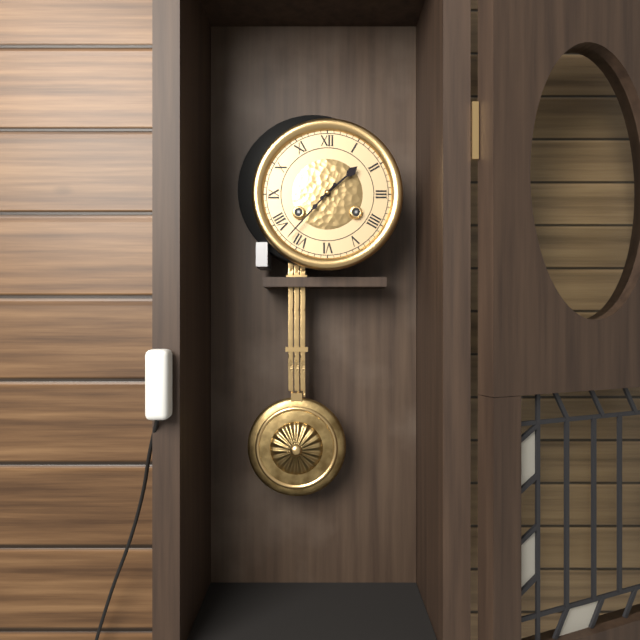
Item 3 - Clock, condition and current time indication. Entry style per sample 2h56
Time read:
1h37
